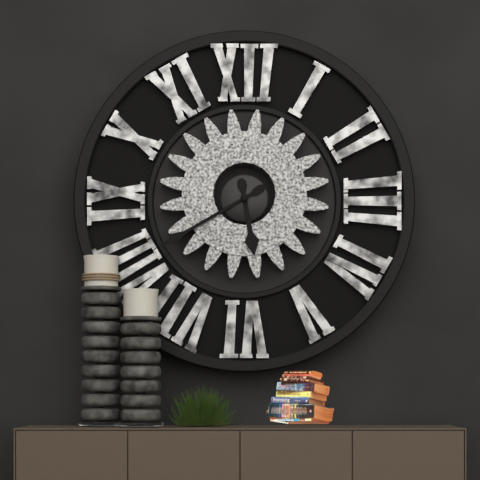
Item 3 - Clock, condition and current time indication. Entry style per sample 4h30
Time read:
5h40
